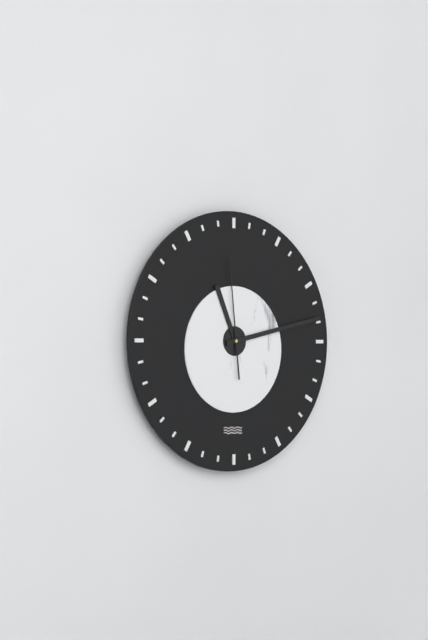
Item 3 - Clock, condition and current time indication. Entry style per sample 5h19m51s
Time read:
11h13m59s
